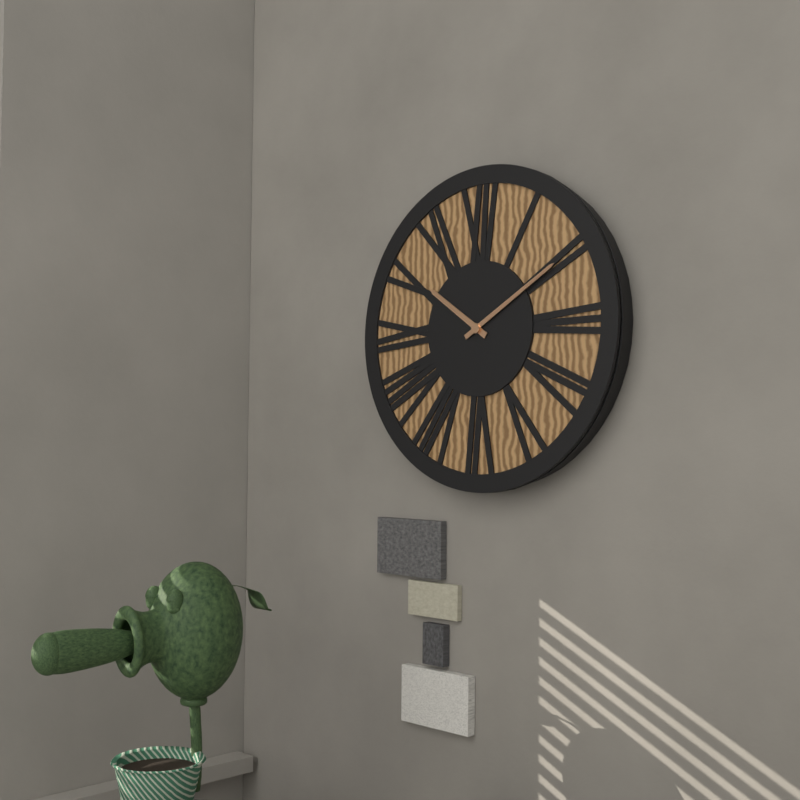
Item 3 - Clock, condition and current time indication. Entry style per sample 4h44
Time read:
10h10
